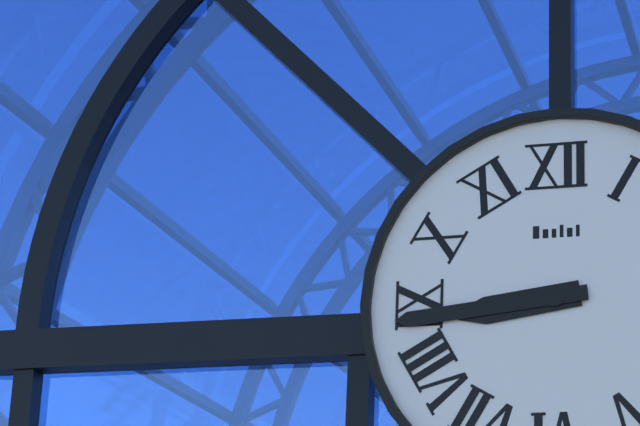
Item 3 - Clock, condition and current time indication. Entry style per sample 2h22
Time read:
8h44
